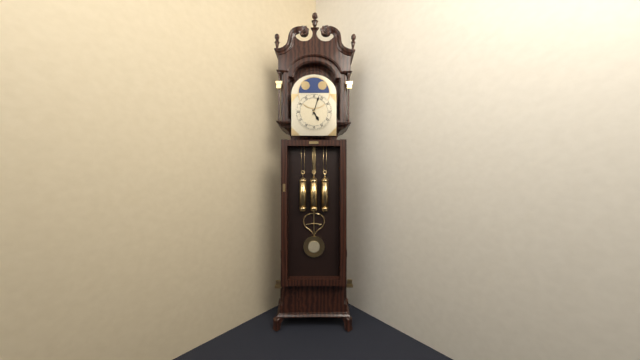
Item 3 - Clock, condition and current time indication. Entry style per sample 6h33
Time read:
5h03
